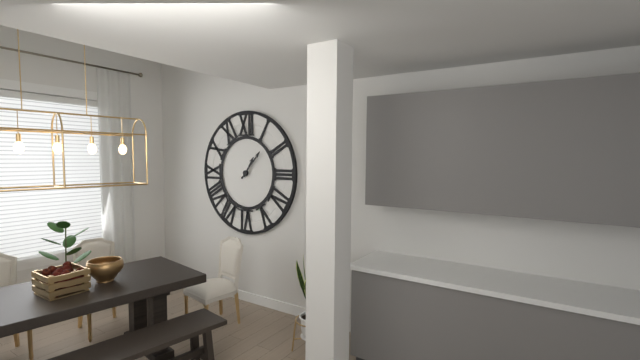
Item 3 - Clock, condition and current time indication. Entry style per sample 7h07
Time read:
1h07
